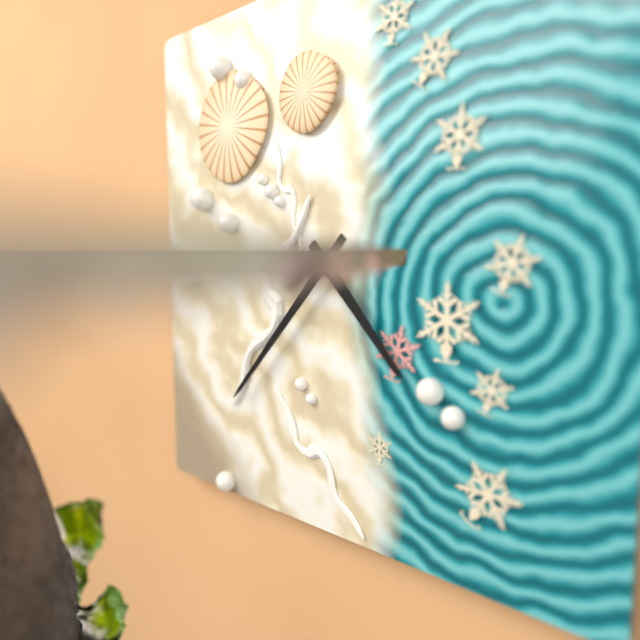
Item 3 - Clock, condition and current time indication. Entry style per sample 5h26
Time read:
4h37
